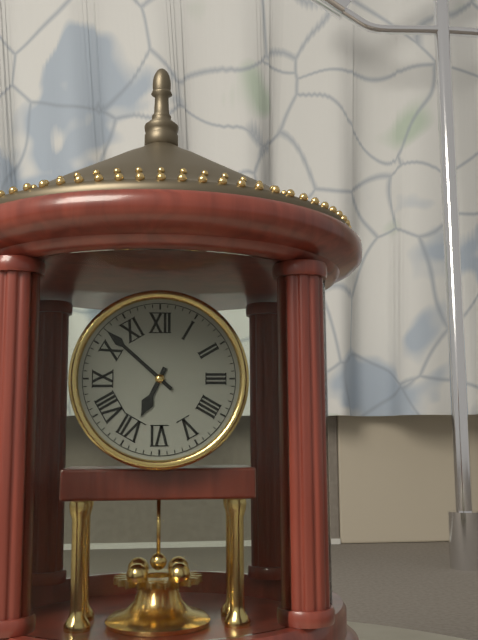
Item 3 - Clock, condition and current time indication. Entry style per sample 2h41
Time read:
6h52
